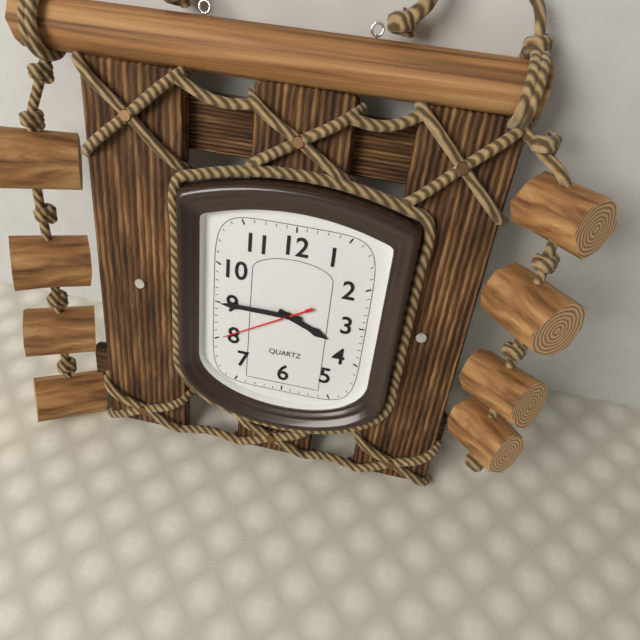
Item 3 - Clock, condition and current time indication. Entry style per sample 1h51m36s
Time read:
3h45m40s
